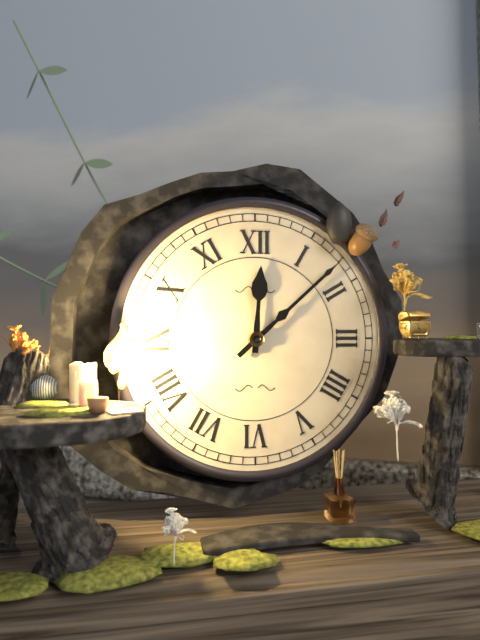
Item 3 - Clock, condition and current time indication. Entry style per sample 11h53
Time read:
12h08
